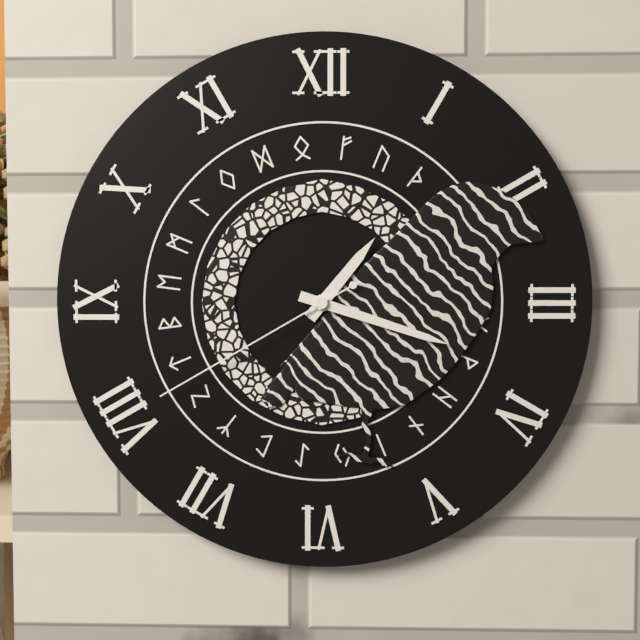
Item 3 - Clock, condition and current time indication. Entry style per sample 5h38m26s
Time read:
1h18m40s
